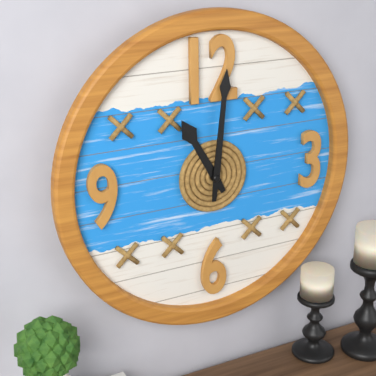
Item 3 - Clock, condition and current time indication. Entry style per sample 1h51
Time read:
11h01
